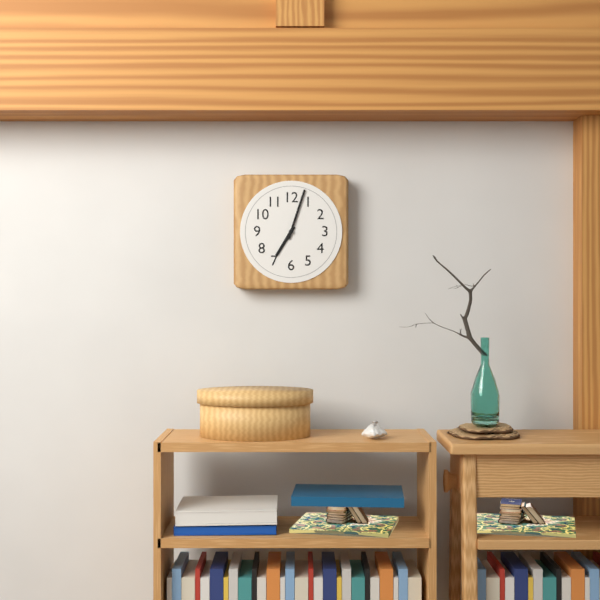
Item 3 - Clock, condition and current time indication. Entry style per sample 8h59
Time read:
7h03
